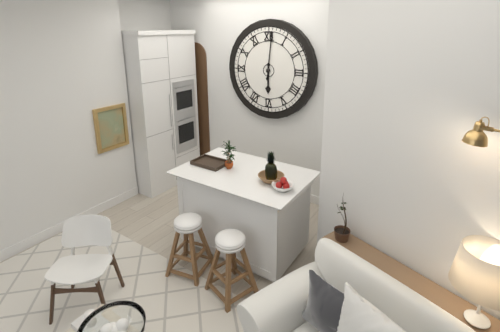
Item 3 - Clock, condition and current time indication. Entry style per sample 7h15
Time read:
6h01
